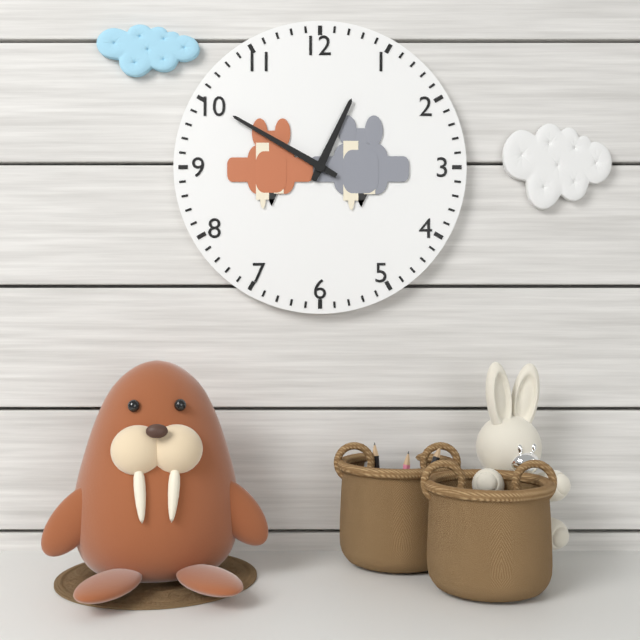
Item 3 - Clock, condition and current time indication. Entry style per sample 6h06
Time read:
12h50
